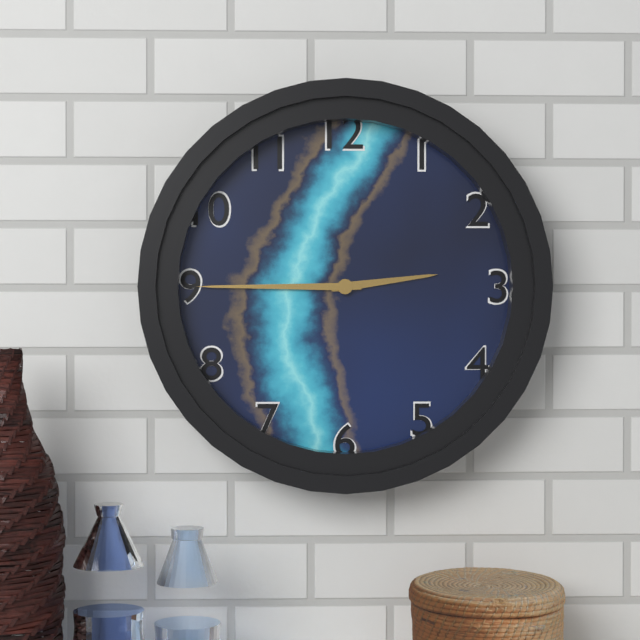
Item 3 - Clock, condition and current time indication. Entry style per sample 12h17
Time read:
2h45
